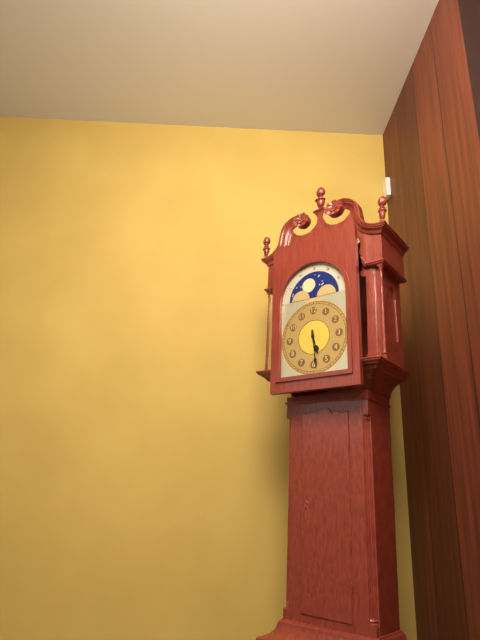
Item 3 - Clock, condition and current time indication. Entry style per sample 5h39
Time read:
5h29
